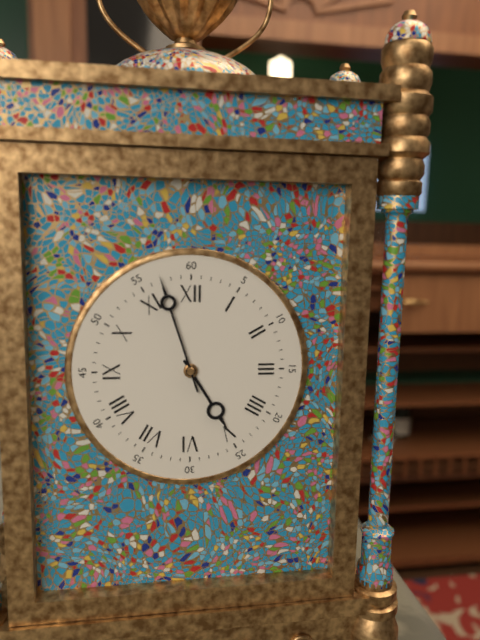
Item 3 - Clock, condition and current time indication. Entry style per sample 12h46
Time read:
4h57
